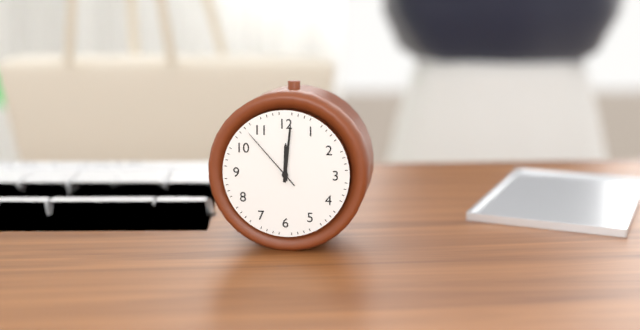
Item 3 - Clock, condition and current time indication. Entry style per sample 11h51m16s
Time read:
12h01m53s
